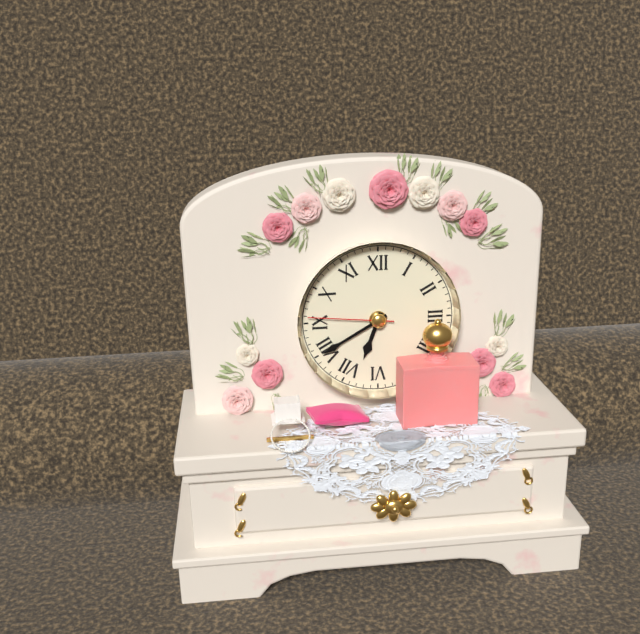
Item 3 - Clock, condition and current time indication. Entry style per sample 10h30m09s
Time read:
6h40m46s
